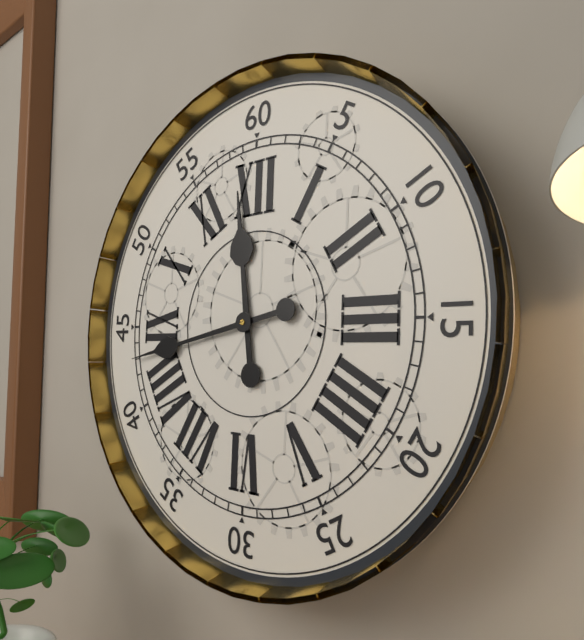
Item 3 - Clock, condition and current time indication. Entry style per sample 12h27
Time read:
11h43
